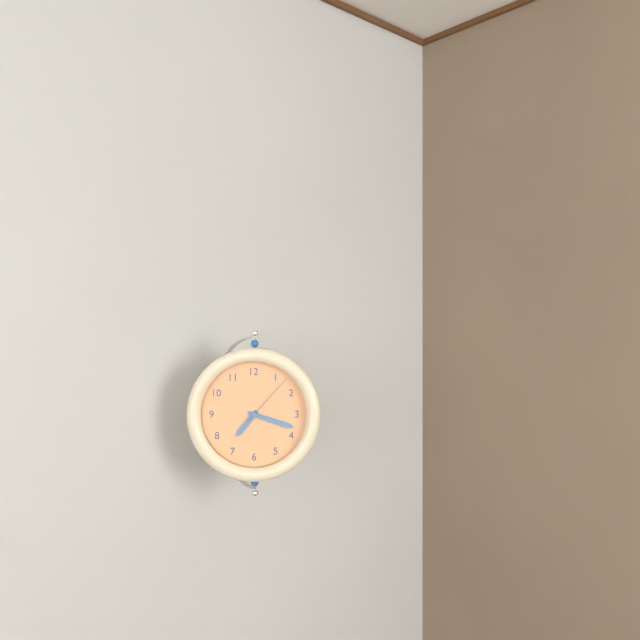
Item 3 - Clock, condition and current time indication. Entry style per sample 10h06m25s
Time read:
7h18m07s
